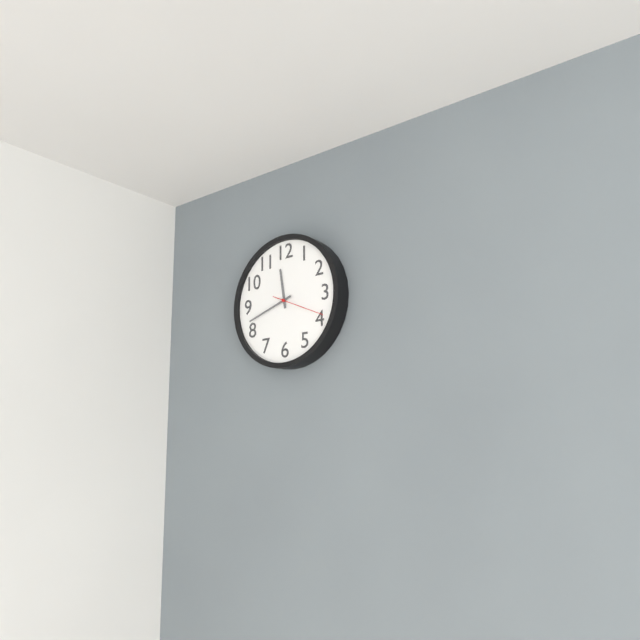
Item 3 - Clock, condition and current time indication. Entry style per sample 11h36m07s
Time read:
11h42m19s
